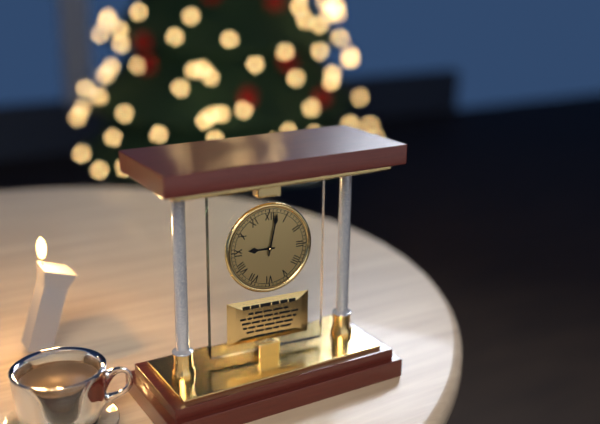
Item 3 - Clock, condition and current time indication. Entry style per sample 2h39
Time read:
9h02
